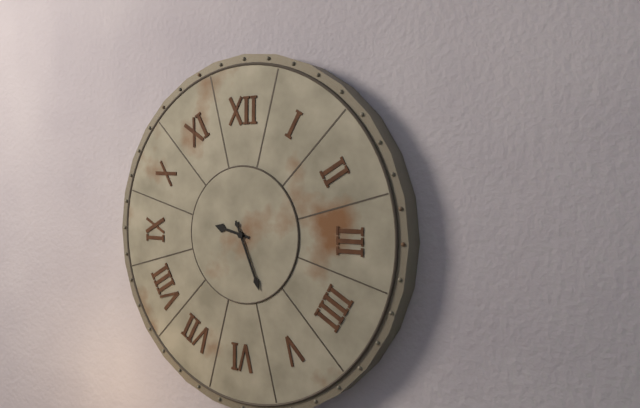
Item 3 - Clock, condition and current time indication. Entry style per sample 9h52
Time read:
9h26
